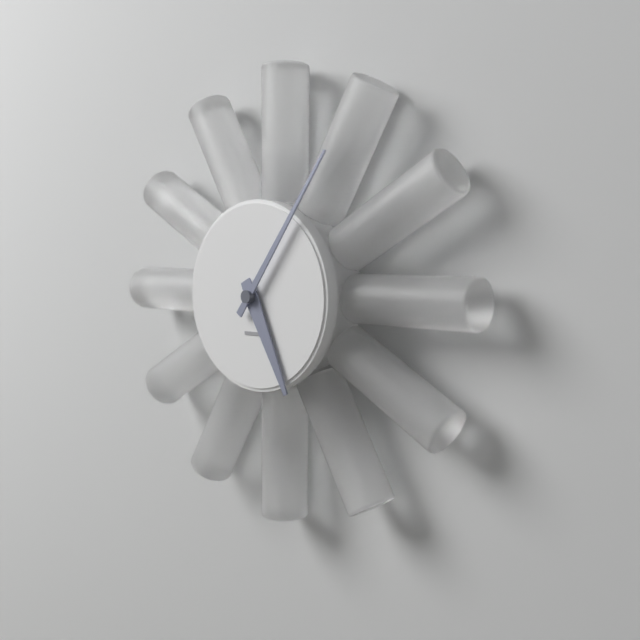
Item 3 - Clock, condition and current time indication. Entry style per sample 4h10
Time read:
5h06
